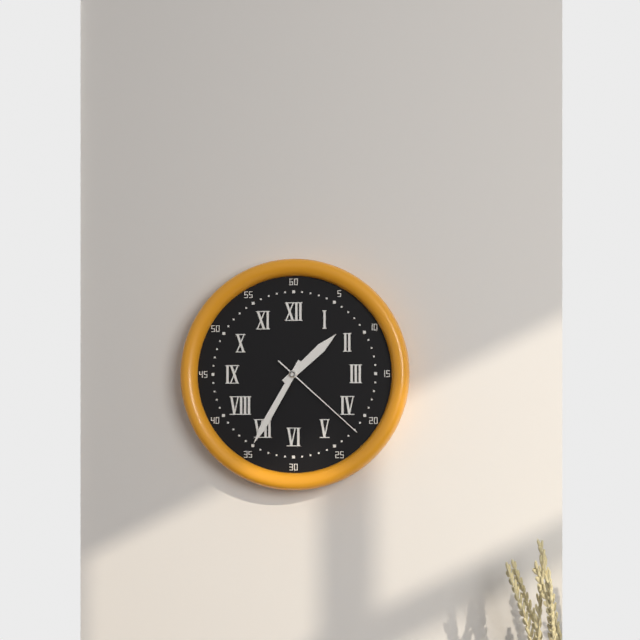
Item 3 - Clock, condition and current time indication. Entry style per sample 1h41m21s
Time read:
1h35m22s
